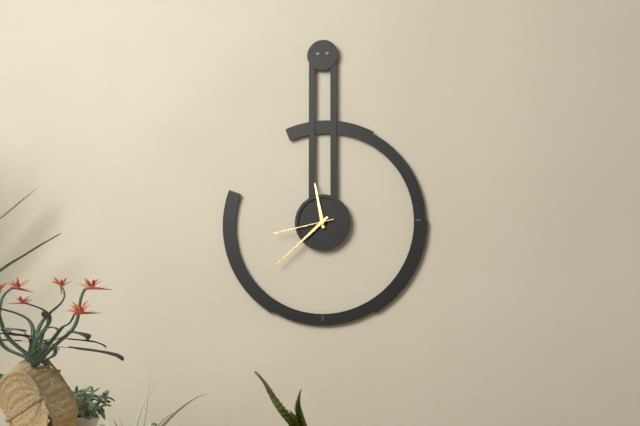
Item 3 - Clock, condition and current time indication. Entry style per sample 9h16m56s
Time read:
11h38m43s
